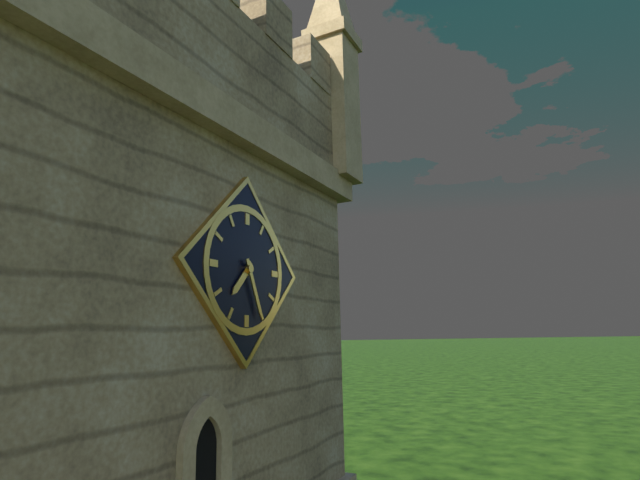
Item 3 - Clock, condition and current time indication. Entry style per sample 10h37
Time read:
7h26
